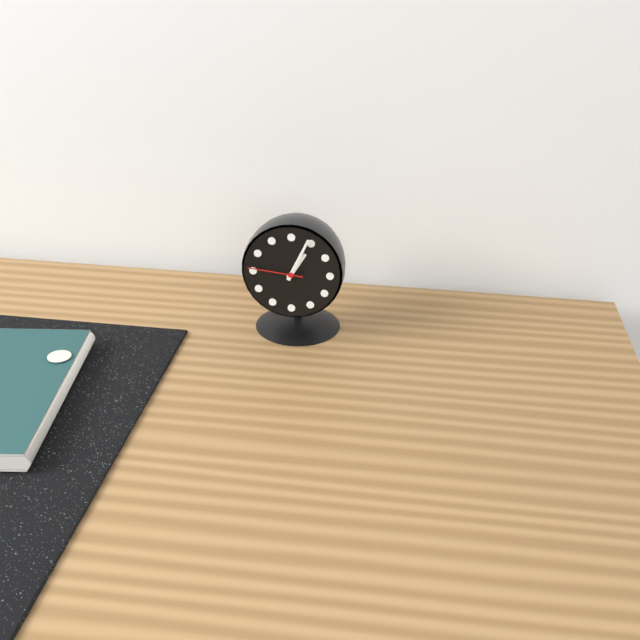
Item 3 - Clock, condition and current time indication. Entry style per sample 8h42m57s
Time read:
1h04m46s
